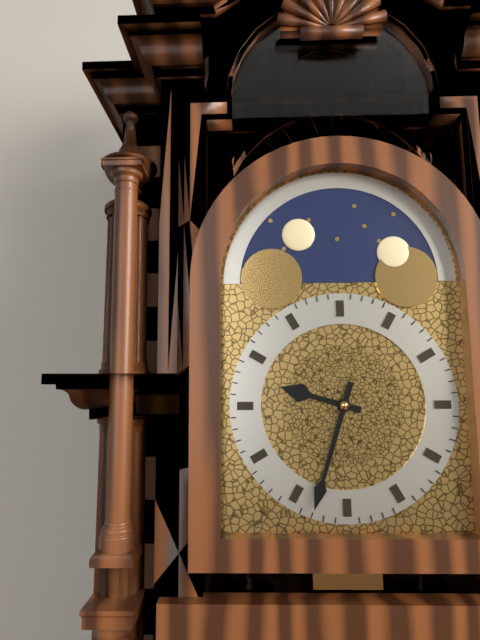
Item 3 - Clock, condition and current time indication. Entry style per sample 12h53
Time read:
9h33
